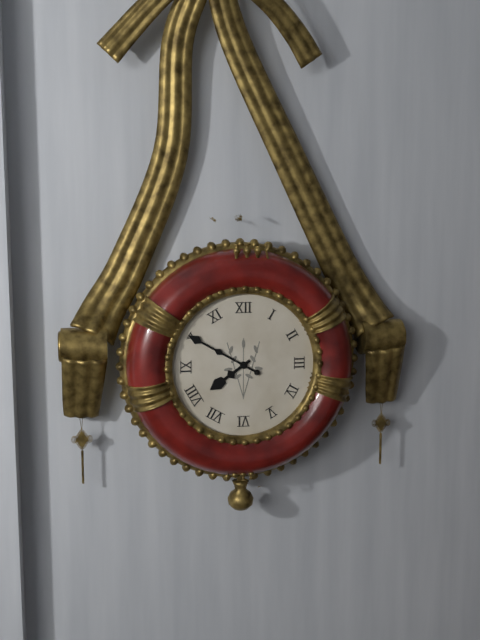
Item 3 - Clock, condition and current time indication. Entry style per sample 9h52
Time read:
7h50
